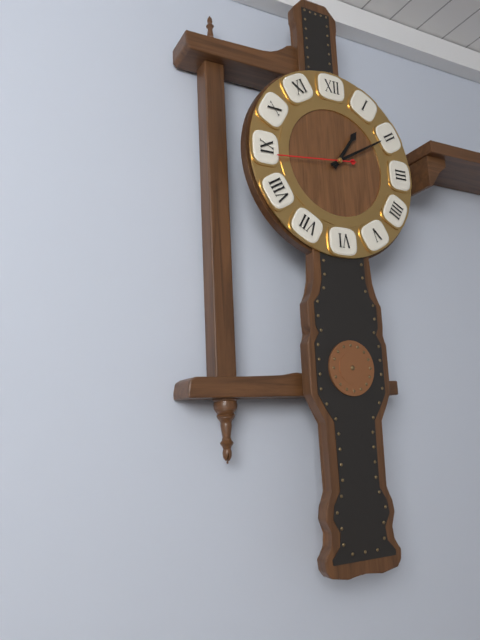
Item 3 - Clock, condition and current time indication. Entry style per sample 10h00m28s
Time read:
1h10m44s
